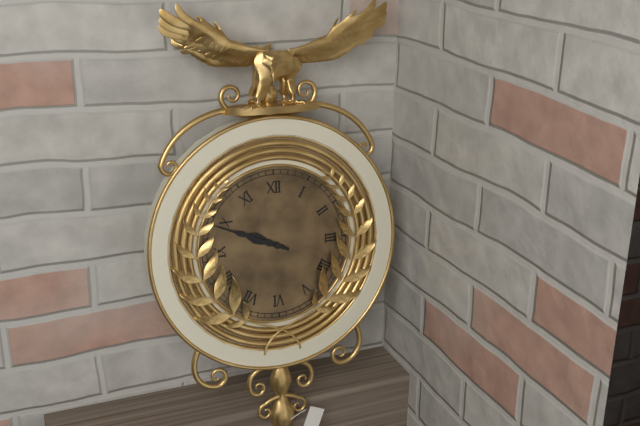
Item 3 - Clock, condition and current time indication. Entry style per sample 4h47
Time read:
9h49
